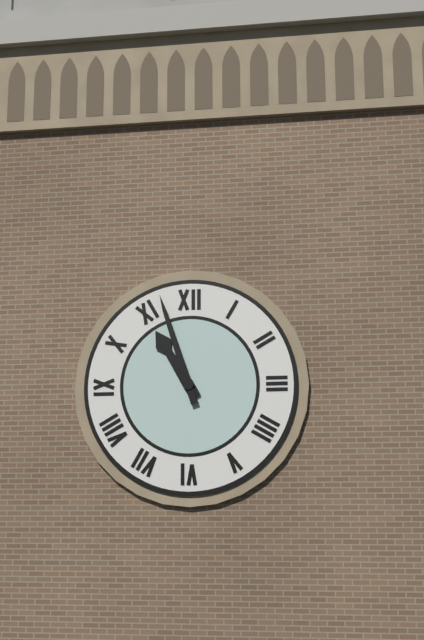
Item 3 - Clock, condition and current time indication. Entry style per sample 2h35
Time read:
10h57
